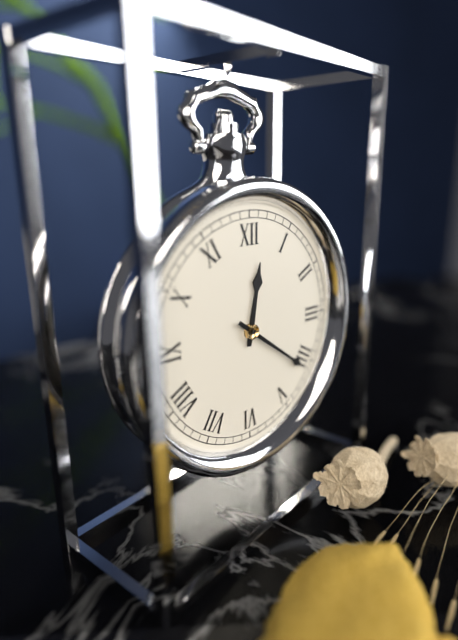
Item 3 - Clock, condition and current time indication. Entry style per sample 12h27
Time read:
12h21
